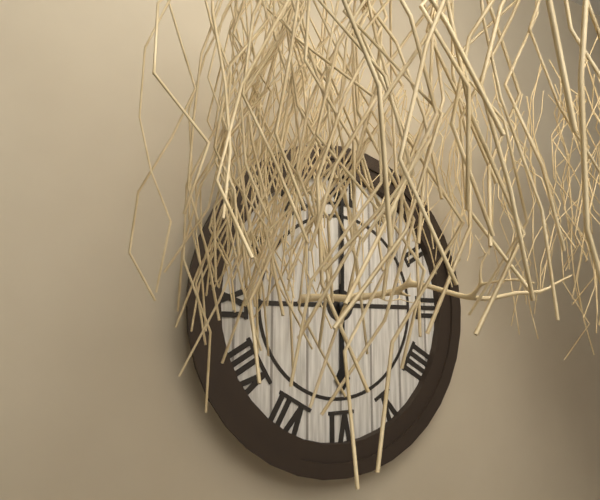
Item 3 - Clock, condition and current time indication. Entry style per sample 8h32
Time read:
6h00
